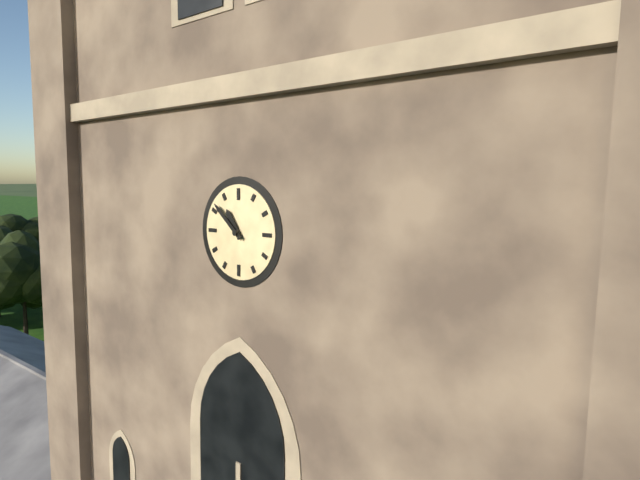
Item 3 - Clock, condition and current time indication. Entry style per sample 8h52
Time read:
10h52
